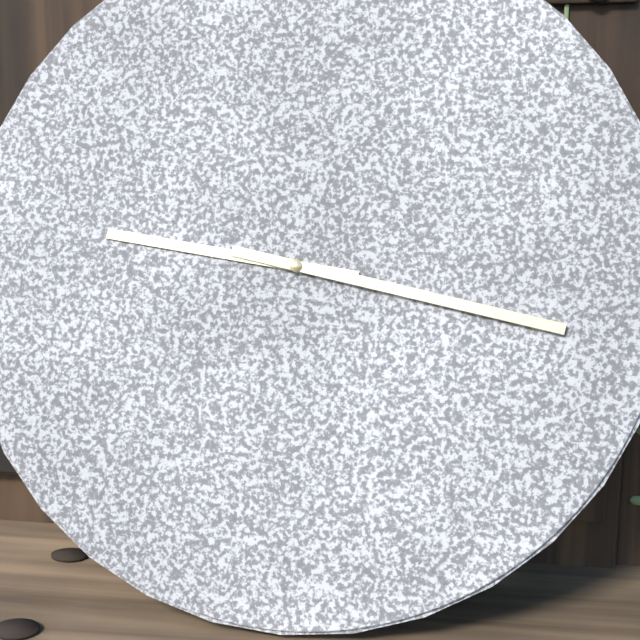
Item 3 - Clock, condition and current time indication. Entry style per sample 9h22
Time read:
9h17
